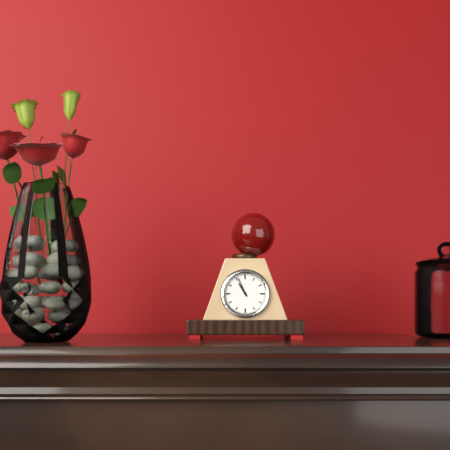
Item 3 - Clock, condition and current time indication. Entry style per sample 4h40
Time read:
10h56
